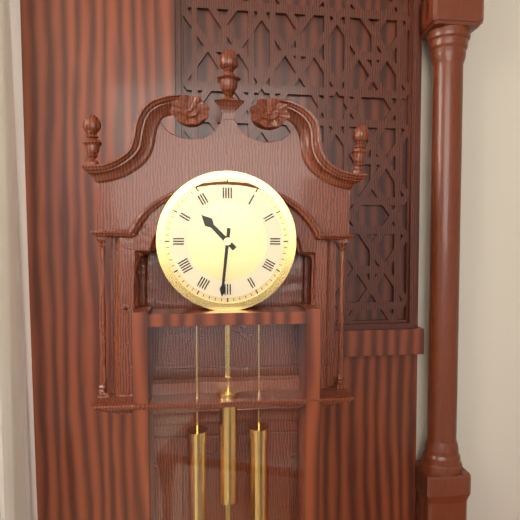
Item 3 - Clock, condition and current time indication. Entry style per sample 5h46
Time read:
10h31
